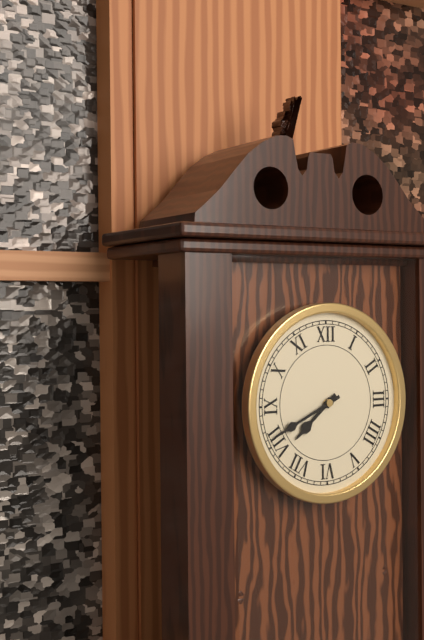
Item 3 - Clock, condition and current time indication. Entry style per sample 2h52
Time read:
7h41
